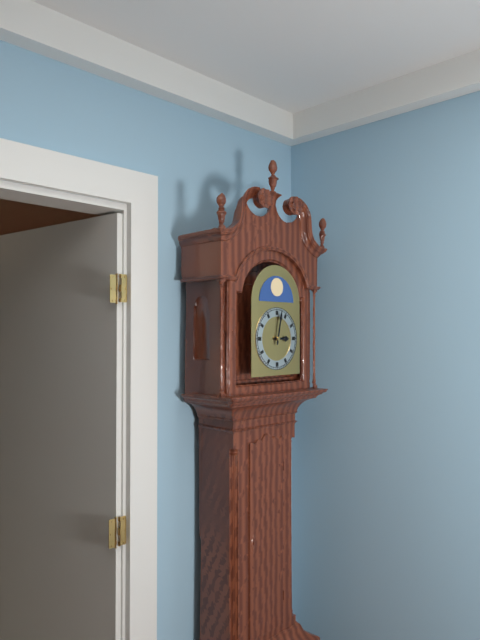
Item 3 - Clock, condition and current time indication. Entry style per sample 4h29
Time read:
3h02
